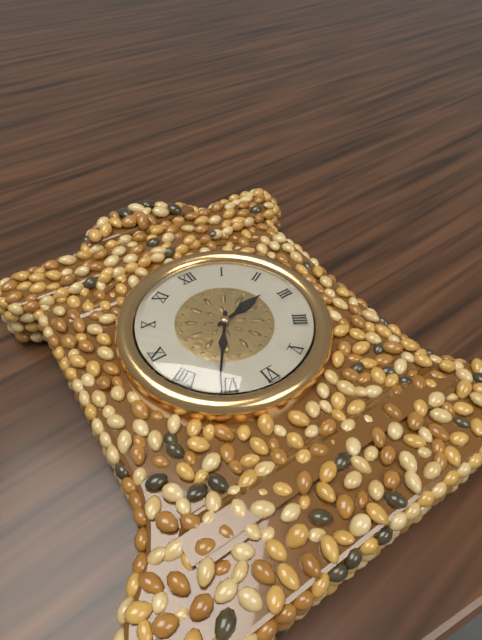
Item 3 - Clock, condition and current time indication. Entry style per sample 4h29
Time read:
2h36
